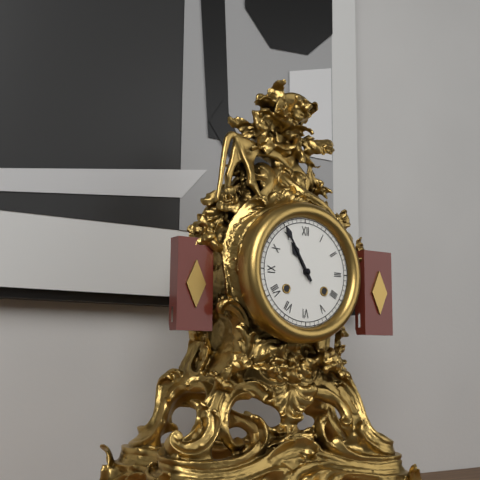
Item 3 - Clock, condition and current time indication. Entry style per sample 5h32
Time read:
10h55
